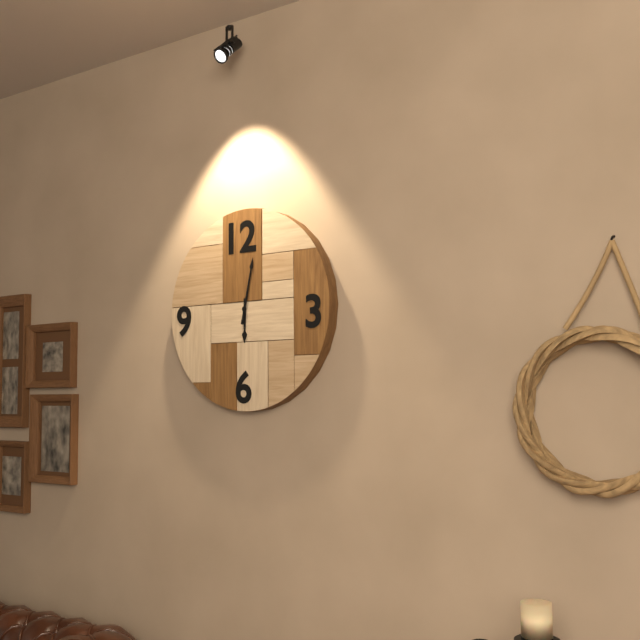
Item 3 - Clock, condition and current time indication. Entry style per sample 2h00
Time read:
6h02
